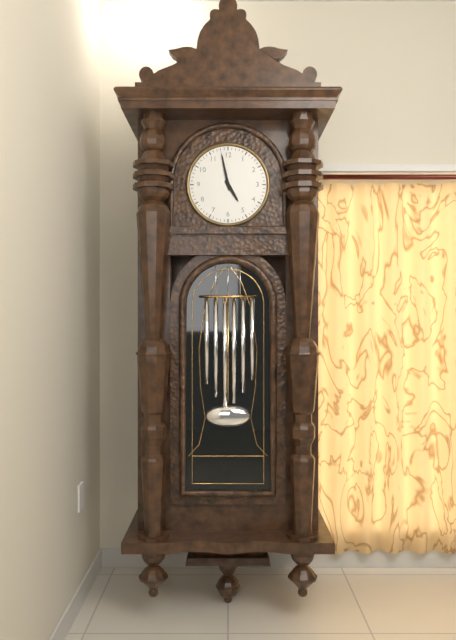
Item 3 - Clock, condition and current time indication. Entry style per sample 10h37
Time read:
4h58
